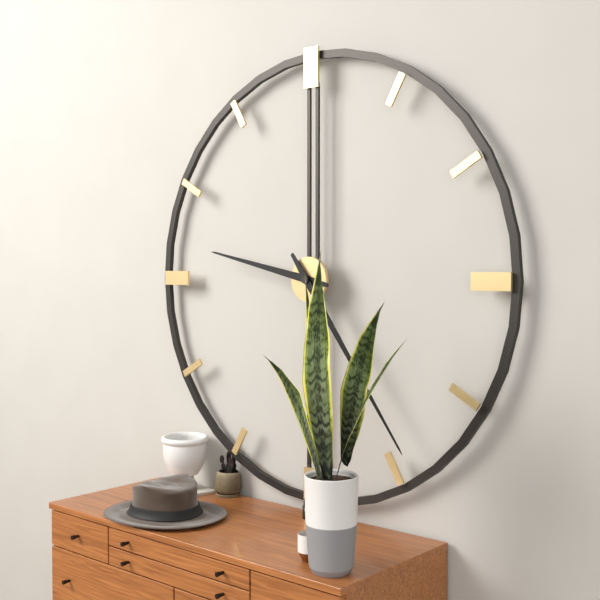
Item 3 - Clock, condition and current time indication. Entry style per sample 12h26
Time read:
9h24
